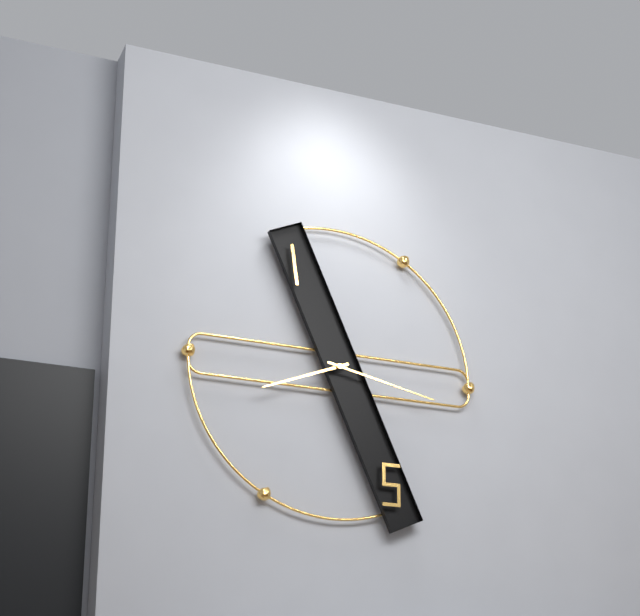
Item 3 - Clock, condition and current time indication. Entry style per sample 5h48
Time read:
8h17
